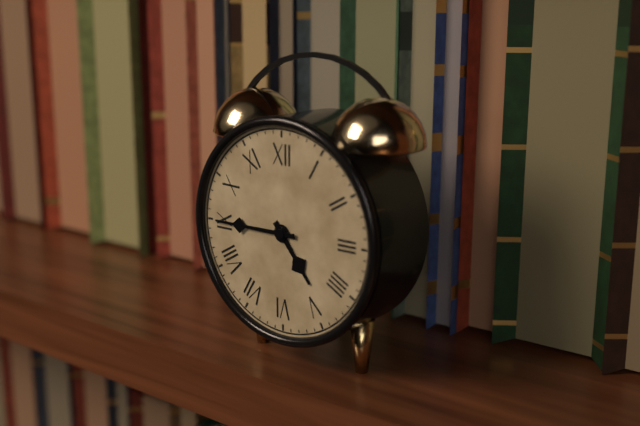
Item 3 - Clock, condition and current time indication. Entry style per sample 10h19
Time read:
4h45
